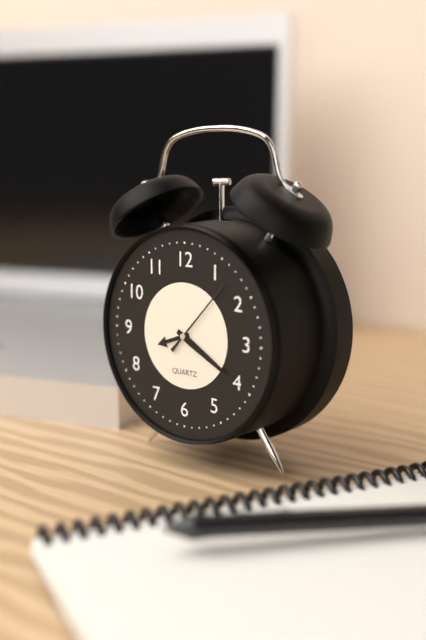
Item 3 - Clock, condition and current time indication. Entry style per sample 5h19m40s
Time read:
8h20m07s
